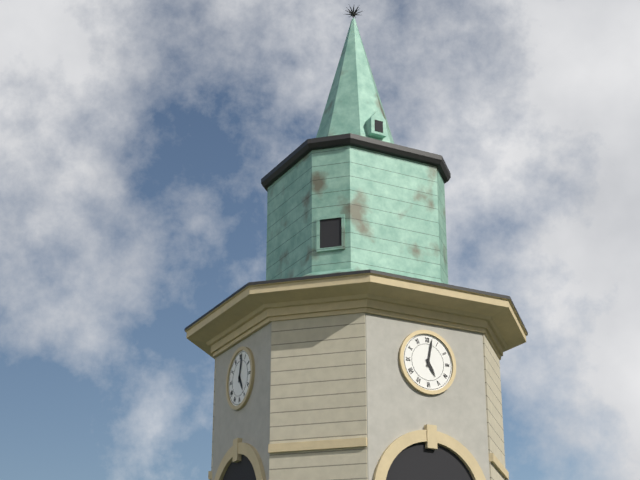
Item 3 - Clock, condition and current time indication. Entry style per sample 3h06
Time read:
5h02
